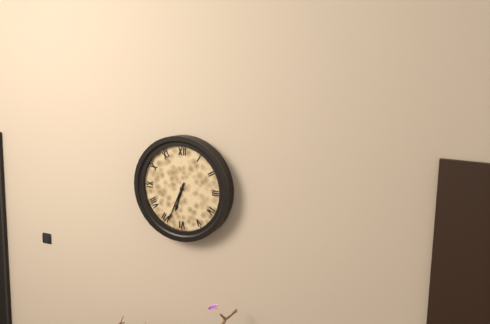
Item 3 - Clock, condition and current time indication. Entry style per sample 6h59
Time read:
6h34
